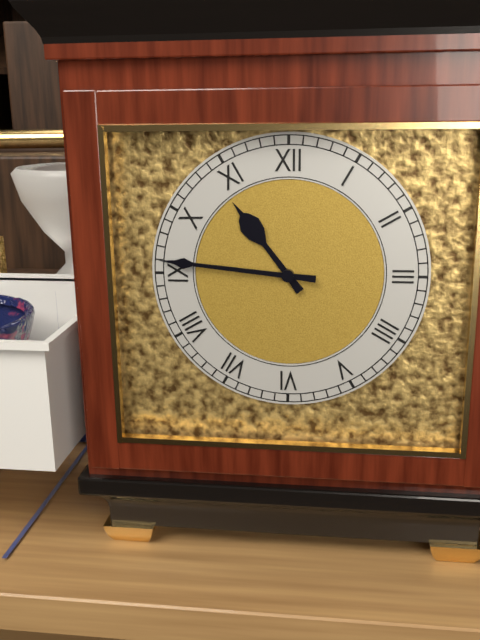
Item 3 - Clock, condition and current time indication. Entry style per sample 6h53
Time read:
10h46
